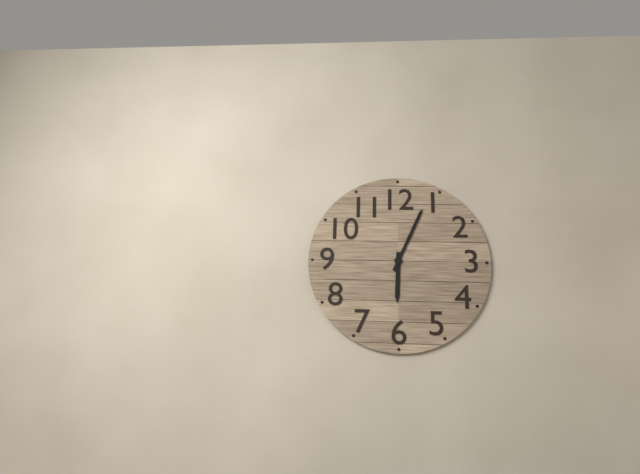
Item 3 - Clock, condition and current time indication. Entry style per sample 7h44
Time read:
6h04
